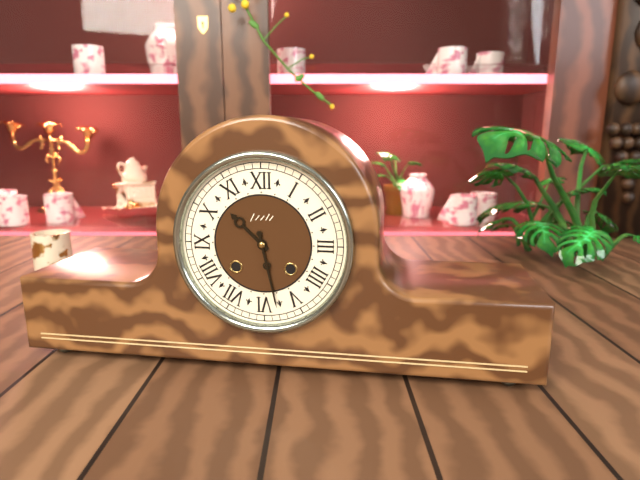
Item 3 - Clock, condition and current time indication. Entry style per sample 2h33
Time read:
10h28
